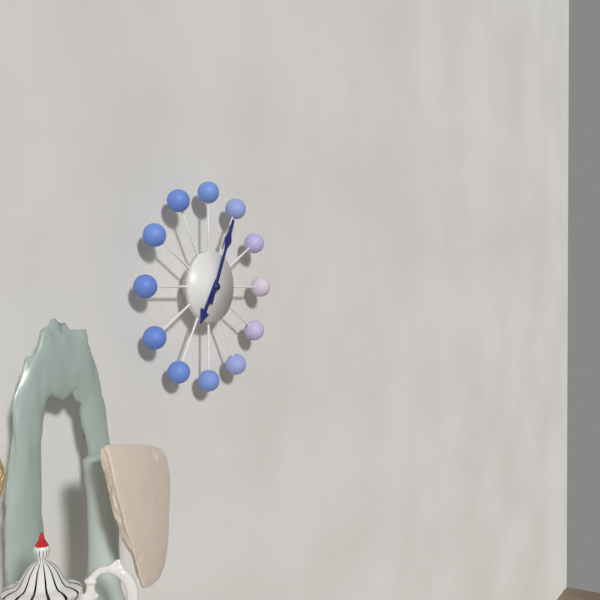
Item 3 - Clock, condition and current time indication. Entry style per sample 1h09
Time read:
7h04
